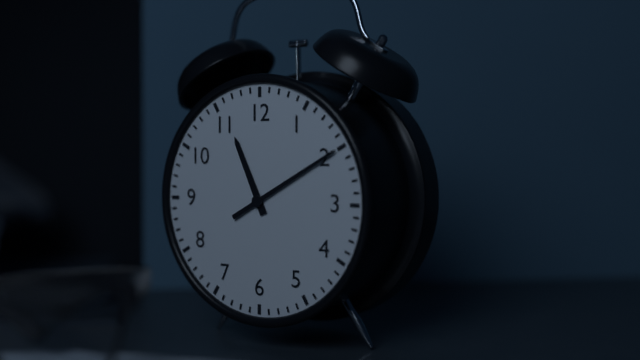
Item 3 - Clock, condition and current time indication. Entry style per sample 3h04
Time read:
11h10
